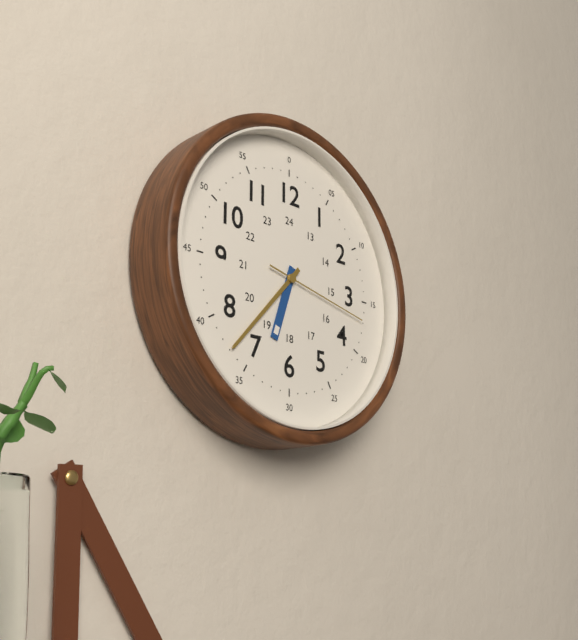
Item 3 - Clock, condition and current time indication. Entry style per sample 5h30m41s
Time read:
6h37m17s
